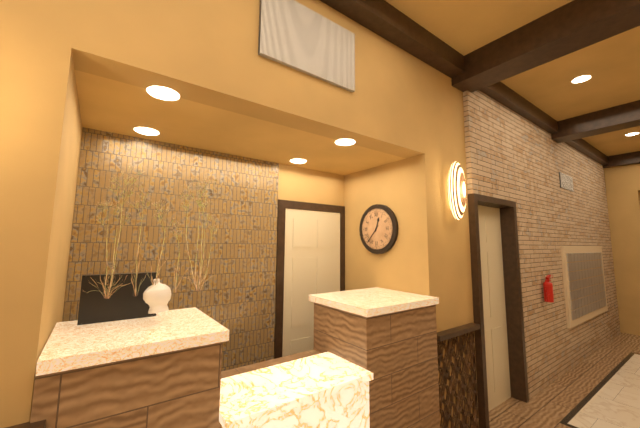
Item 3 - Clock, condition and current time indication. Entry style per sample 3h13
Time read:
12h37
